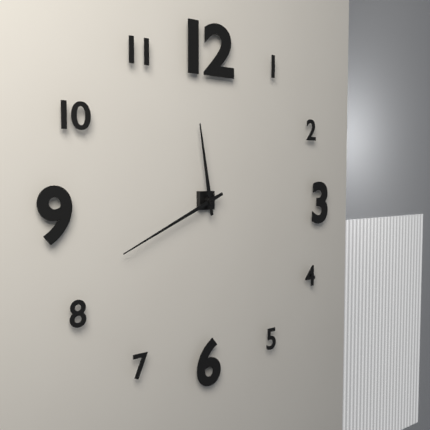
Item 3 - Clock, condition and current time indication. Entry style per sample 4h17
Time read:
11h41
